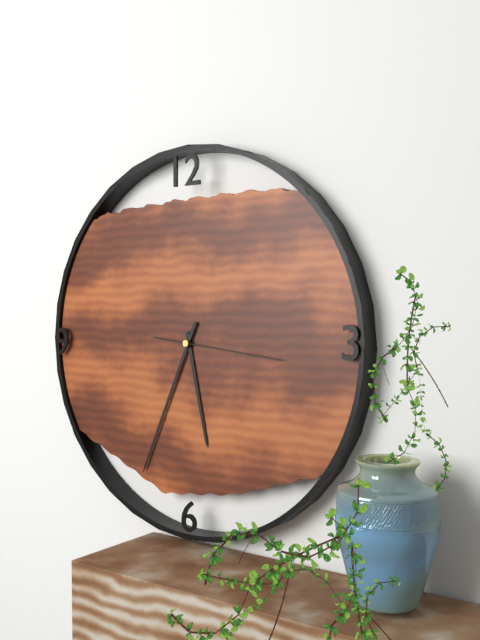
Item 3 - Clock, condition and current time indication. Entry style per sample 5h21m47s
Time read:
5h34m16s
